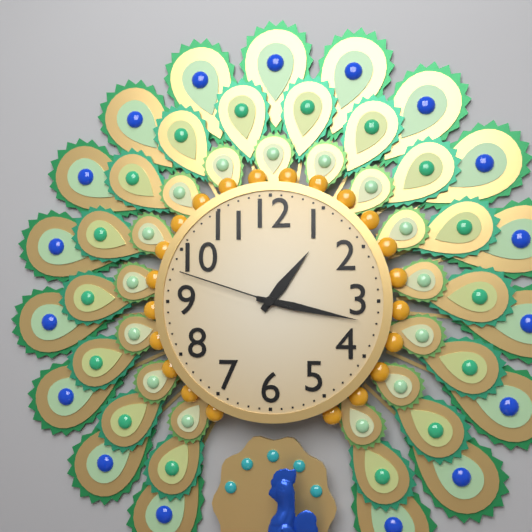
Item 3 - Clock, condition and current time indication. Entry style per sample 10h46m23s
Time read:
1h17m48s
